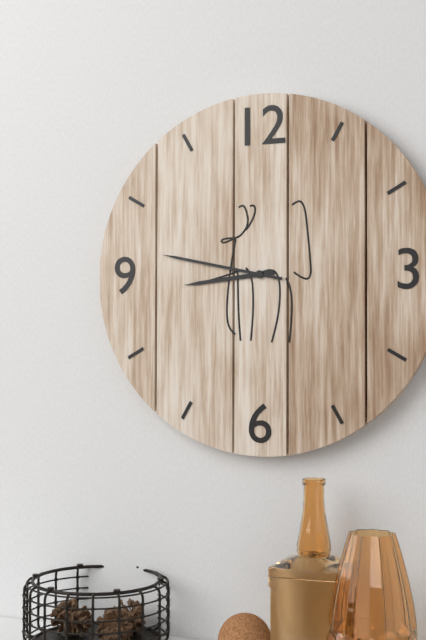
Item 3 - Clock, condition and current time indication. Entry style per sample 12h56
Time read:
8h47
